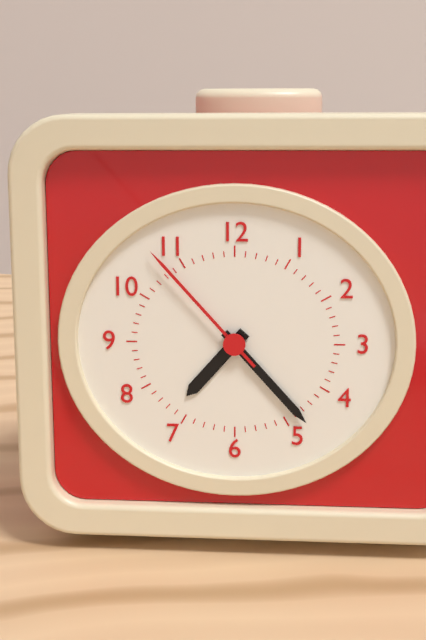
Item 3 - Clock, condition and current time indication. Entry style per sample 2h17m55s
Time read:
7h23m53s
